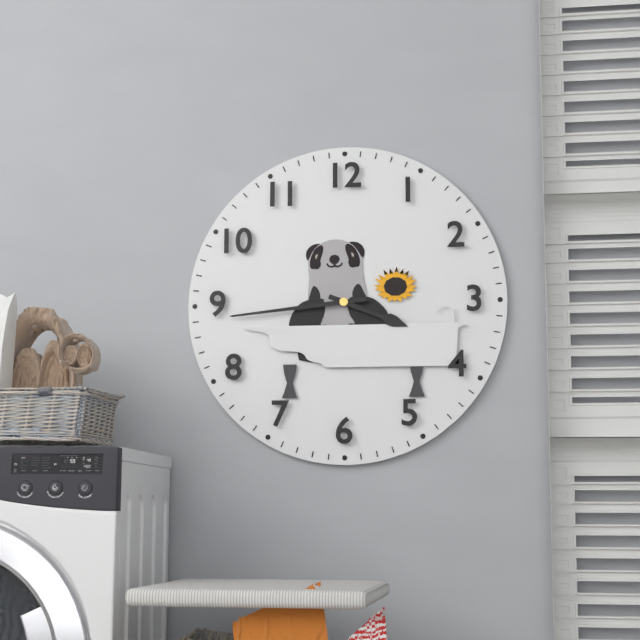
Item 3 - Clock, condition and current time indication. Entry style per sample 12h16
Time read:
3h44
